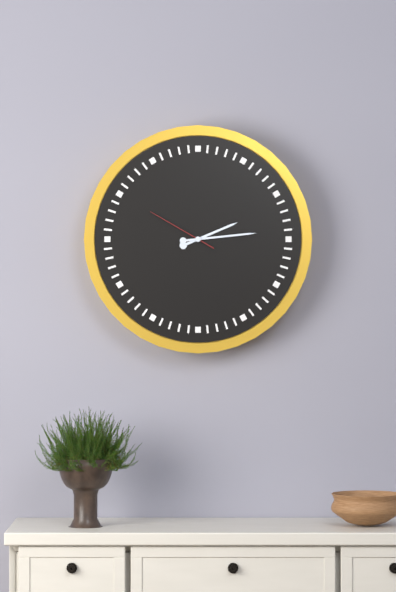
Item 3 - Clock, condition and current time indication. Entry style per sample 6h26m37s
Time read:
2h14m50s
